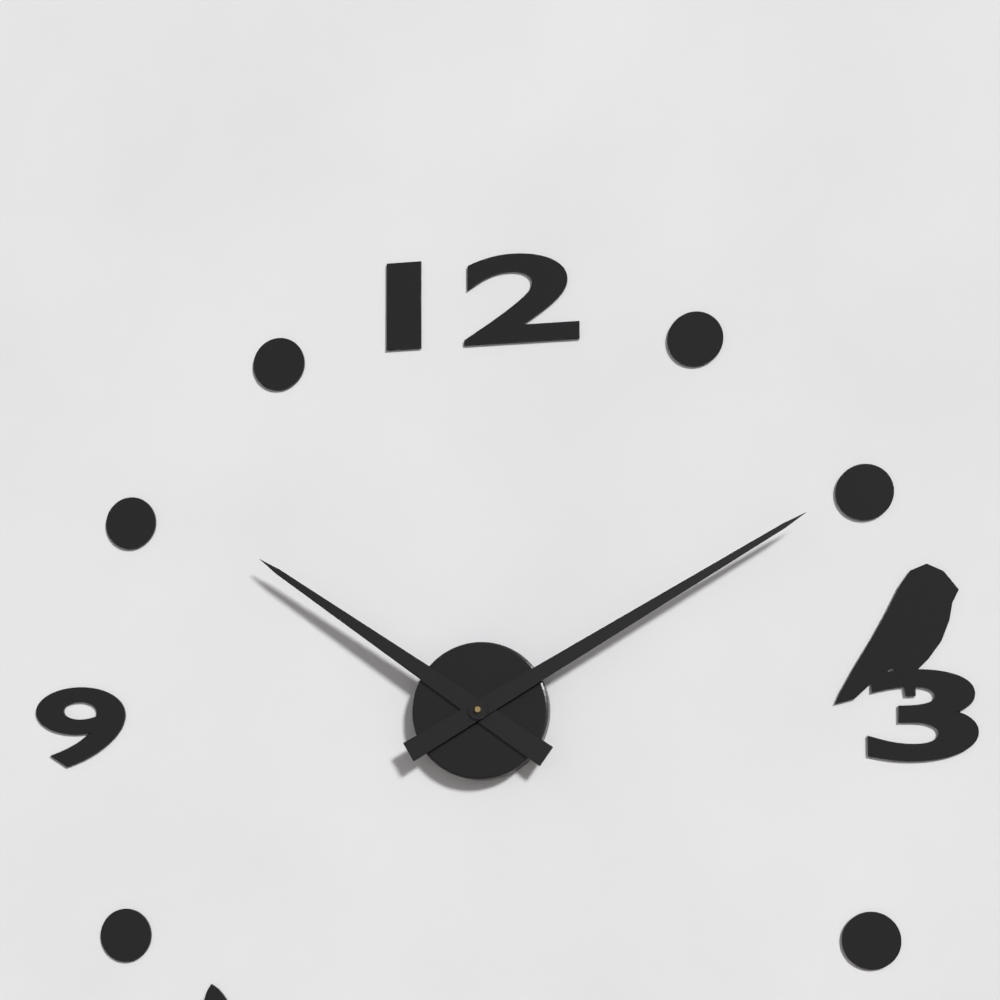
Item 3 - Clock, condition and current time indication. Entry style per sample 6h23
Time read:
10h10
